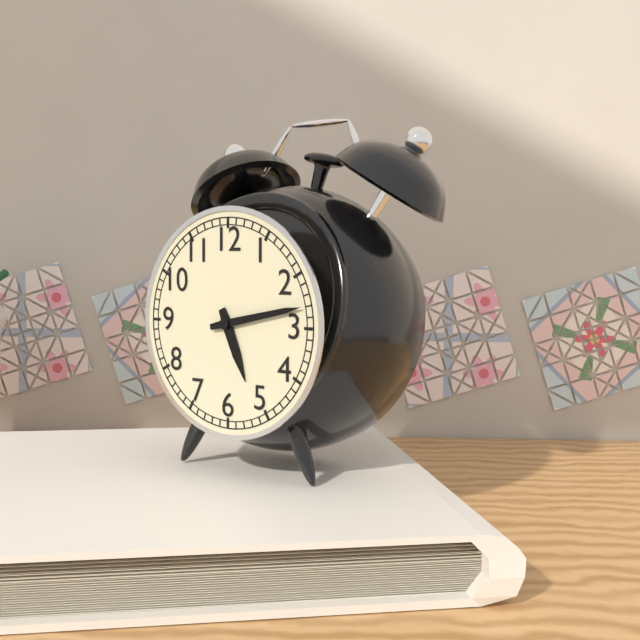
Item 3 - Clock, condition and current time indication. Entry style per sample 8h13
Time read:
5h13
